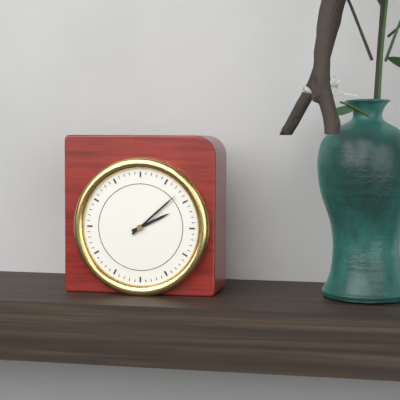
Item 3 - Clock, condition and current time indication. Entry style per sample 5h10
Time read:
2h08
